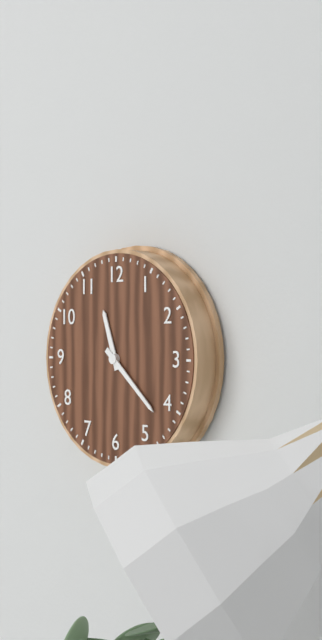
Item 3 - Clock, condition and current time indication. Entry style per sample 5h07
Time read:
11h22
